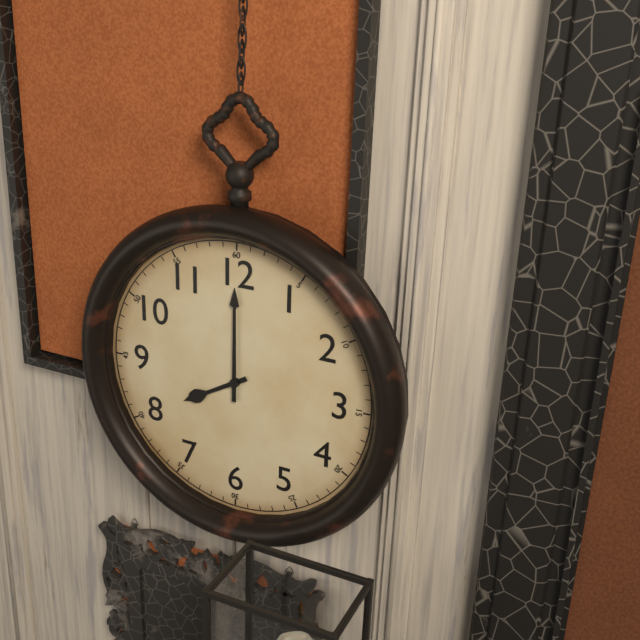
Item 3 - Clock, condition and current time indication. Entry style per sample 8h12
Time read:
8h00
